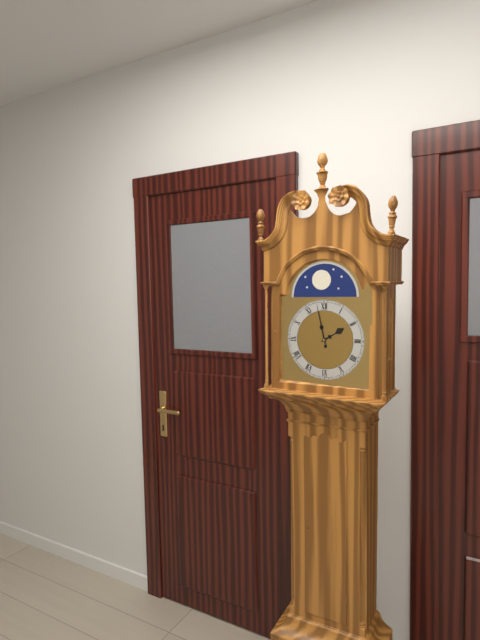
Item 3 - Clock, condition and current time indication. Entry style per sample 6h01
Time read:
1h58
